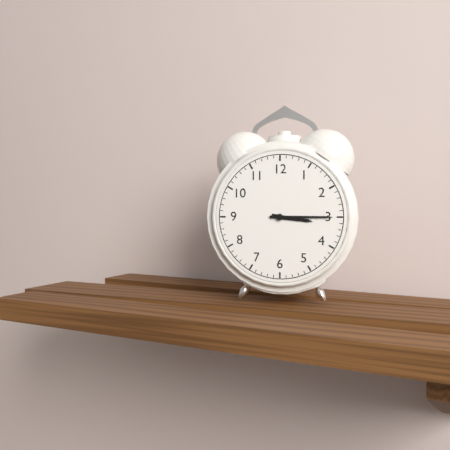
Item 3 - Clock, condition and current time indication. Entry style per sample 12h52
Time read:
3h15
